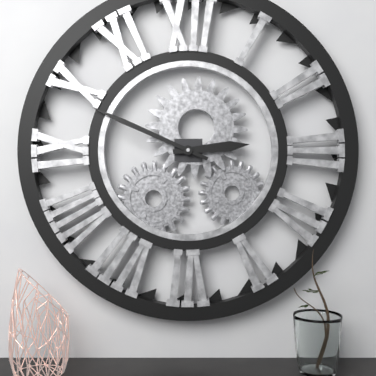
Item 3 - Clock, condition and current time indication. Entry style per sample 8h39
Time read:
2h49
